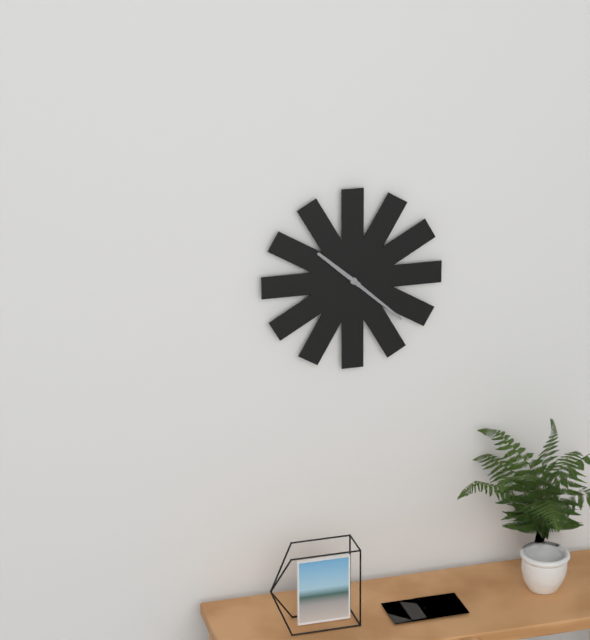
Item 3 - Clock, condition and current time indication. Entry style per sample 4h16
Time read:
10h22
